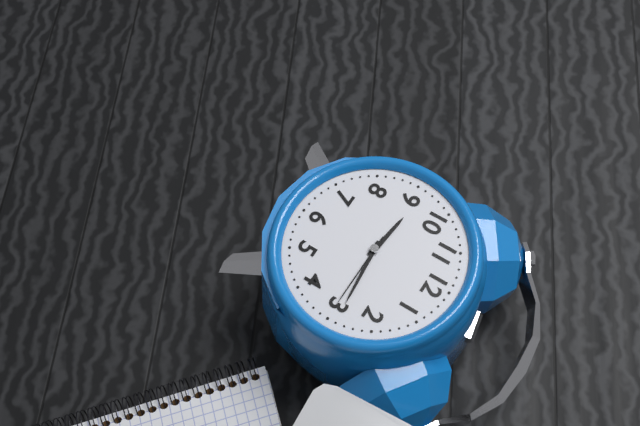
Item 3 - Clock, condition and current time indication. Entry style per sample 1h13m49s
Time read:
9h14m15s
